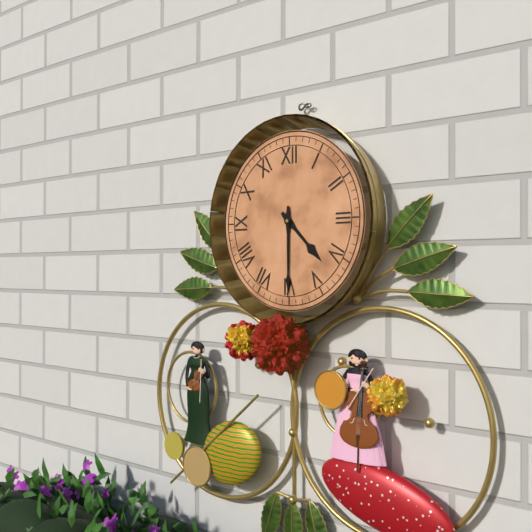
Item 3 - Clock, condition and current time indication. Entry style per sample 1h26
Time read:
4h30
